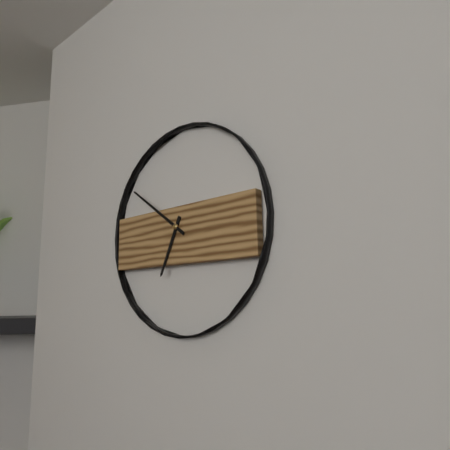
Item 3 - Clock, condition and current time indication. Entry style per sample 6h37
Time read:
6h51
